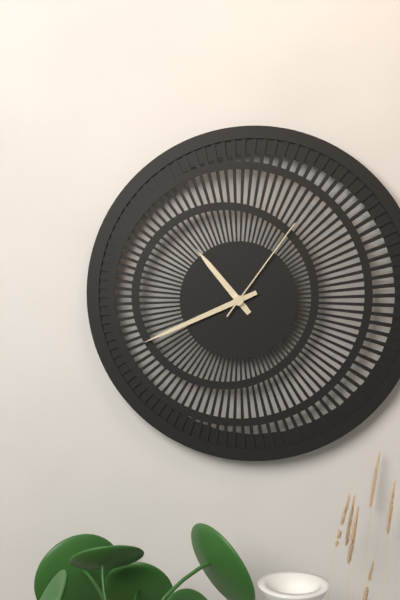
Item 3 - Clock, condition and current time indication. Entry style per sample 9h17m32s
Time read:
10h41m06s
